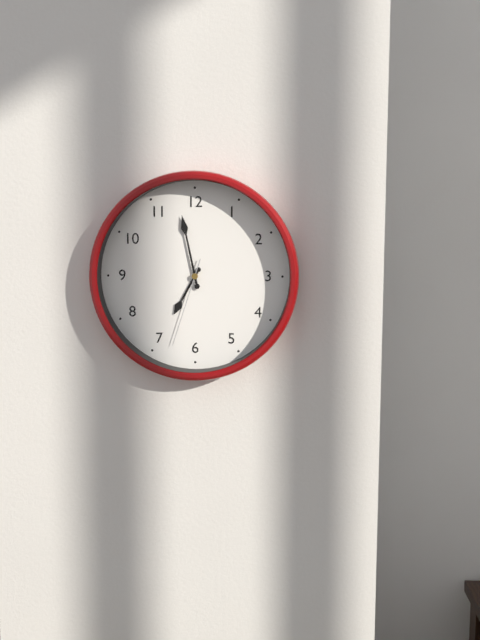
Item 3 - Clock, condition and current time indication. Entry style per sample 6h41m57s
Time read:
6h58m33s
